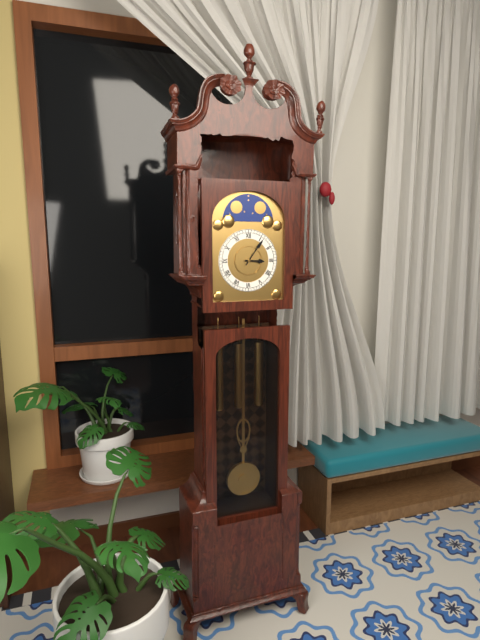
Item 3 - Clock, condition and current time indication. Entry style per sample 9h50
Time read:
3h06
